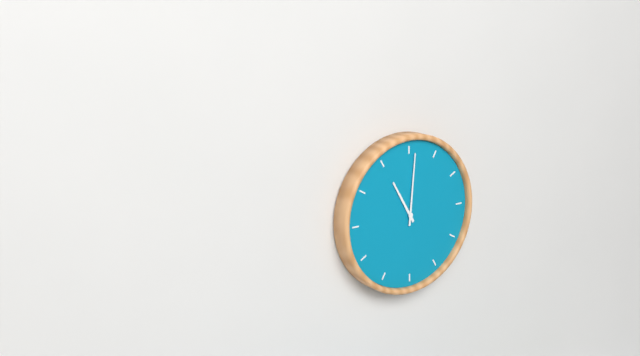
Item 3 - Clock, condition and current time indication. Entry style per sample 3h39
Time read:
11h01
